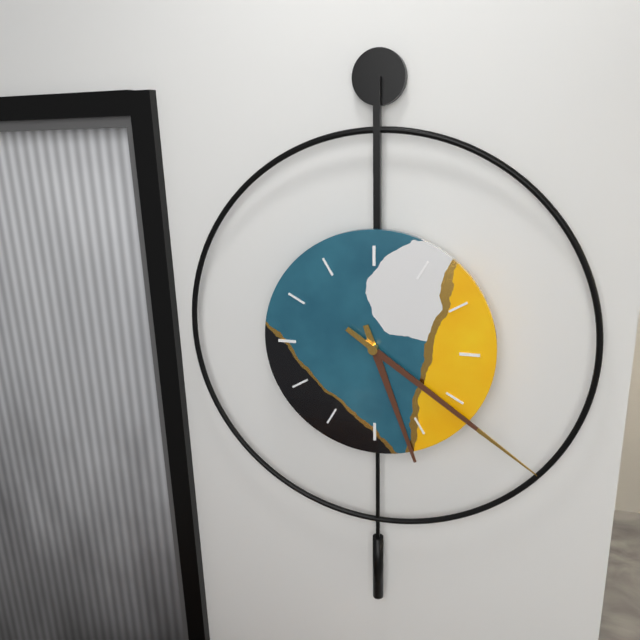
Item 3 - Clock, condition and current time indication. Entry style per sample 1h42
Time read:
5h21
